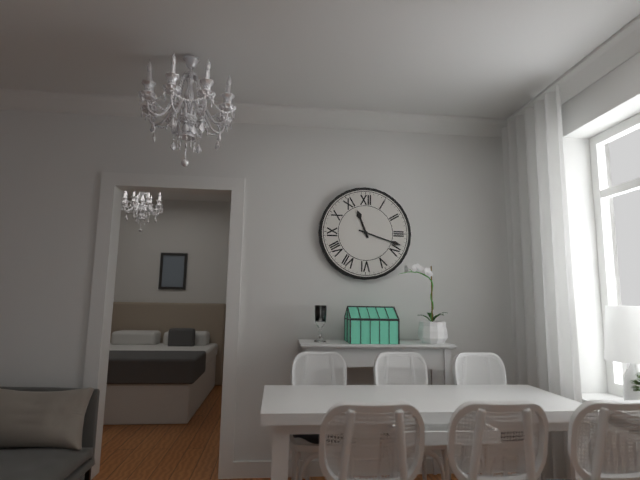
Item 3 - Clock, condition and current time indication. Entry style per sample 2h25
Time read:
11h18
